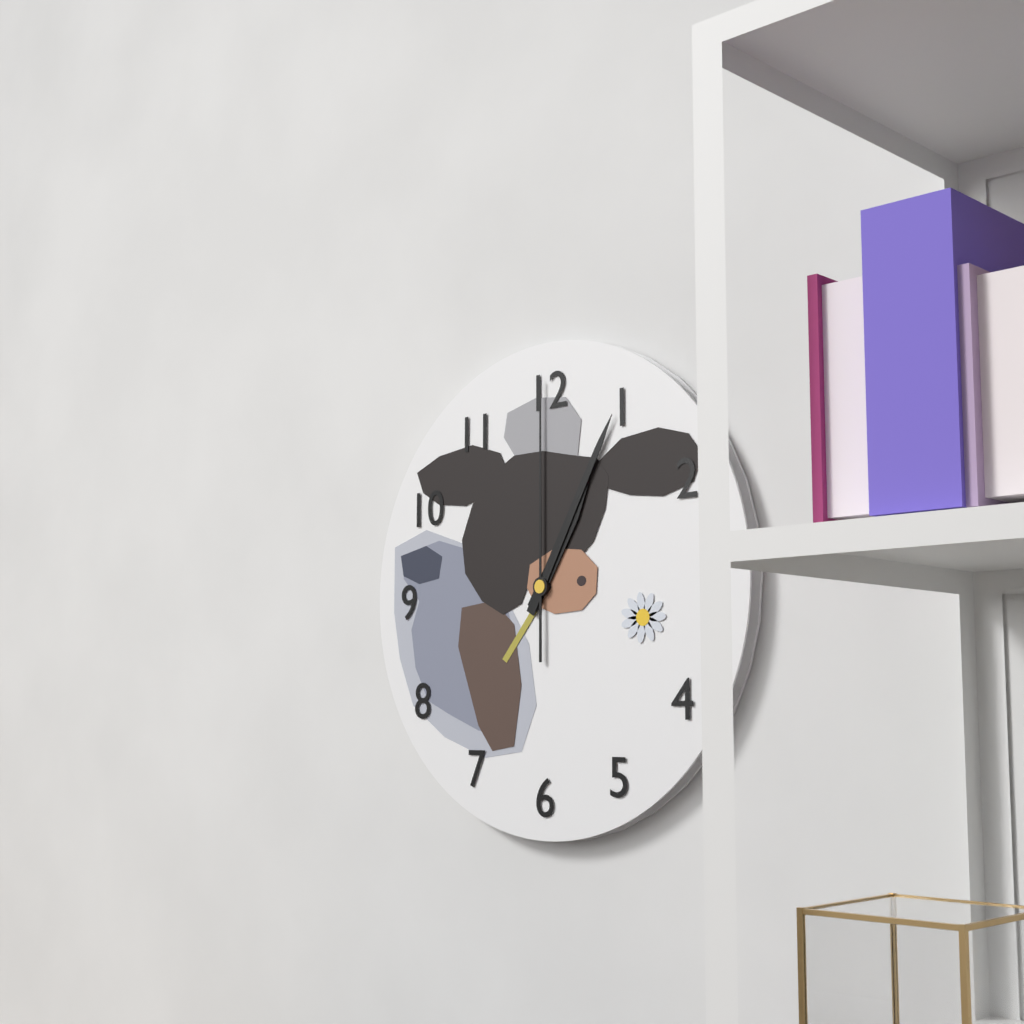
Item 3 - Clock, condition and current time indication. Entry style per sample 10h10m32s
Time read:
1h05m00s
